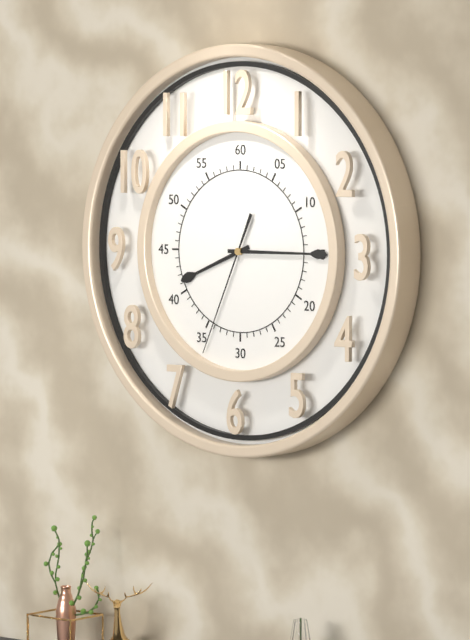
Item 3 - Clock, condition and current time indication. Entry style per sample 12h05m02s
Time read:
8h15m34s
